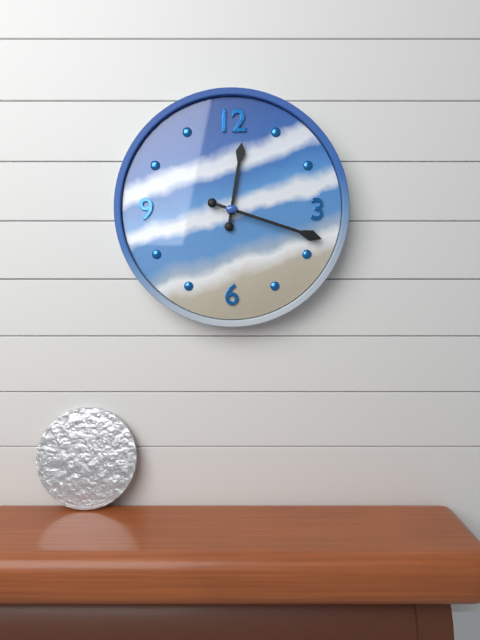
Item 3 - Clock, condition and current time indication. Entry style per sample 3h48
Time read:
12h18
